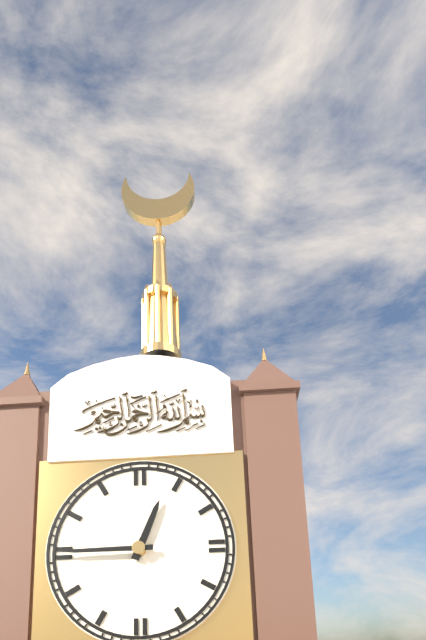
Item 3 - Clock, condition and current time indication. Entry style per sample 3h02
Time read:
12h45
